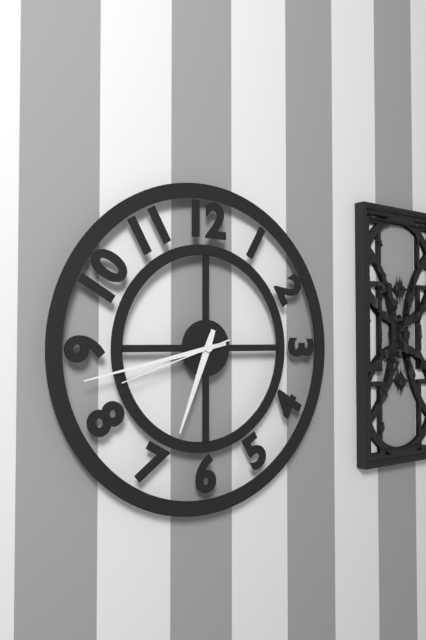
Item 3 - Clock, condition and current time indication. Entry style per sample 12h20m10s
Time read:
6h43m42s
